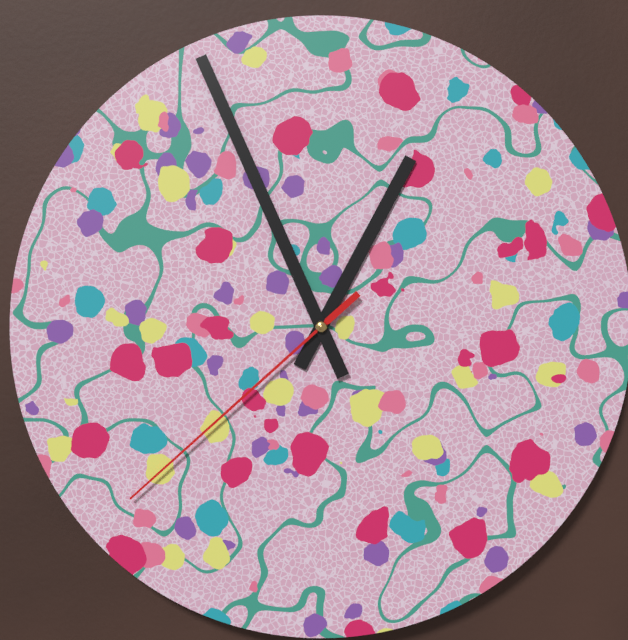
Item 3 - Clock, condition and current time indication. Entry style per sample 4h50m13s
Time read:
12h56m38s
